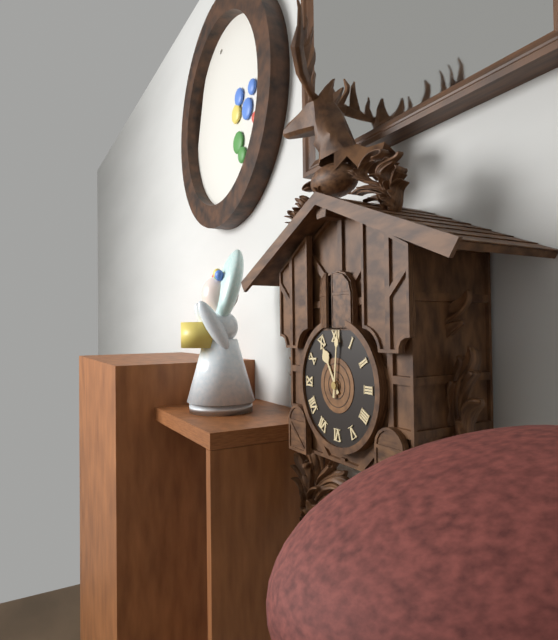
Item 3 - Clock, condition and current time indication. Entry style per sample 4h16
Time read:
11h01
